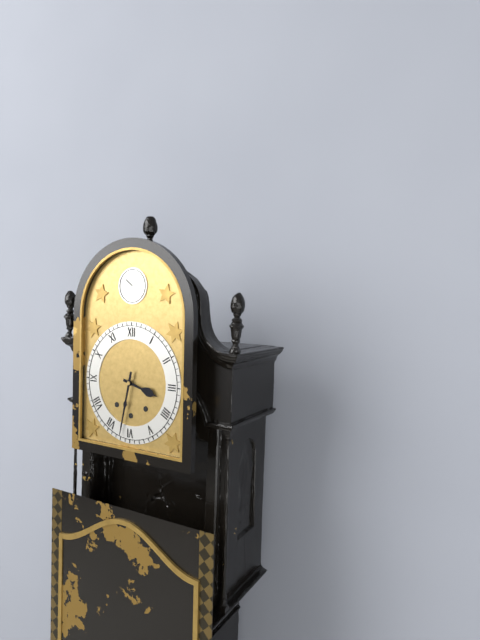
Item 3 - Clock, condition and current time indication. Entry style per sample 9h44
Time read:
3h32
